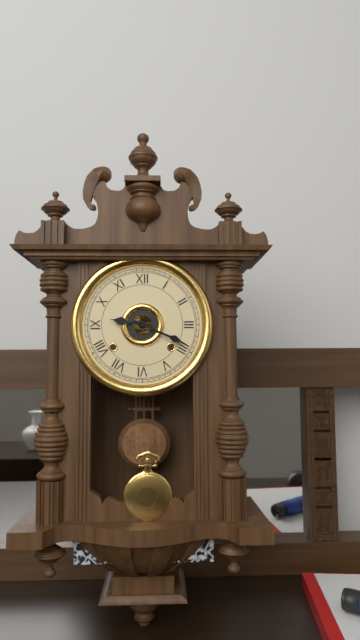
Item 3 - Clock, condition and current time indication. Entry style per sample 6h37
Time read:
9h19
